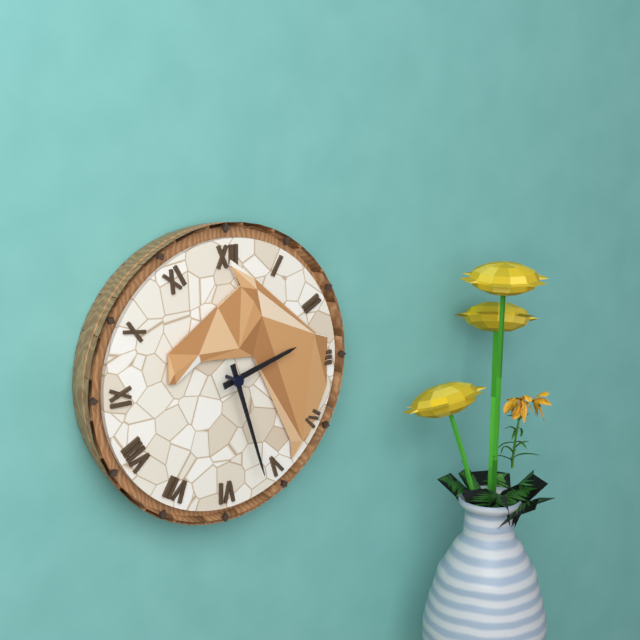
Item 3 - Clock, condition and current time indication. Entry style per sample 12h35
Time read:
2h27
